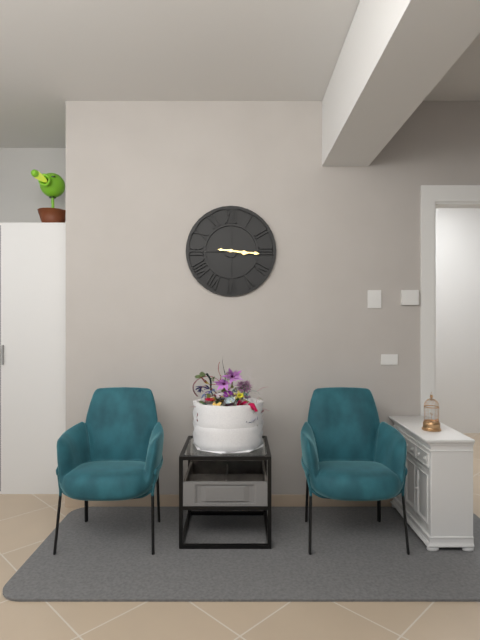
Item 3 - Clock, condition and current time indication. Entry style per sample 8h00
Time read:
3h16
